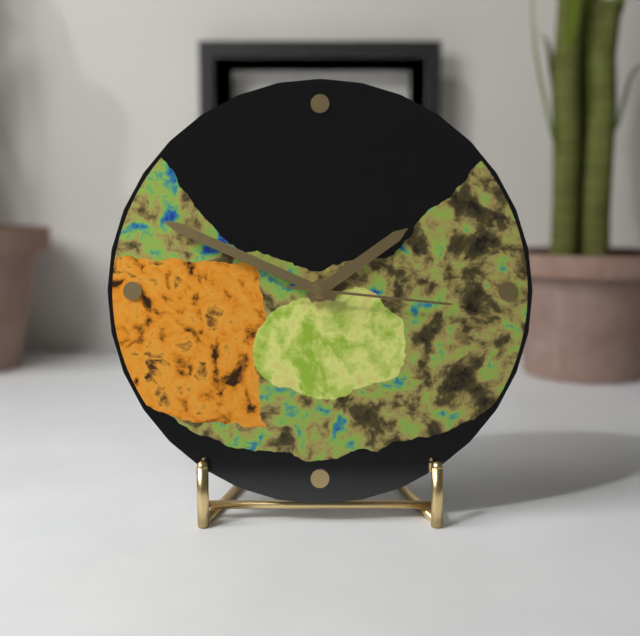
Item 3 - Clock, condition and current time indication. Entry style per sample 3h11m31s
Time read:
1h49m16s
